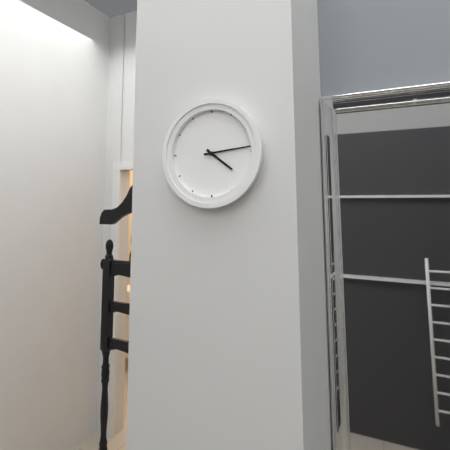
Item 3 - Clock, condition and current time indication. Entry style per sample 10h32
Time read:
4h14
